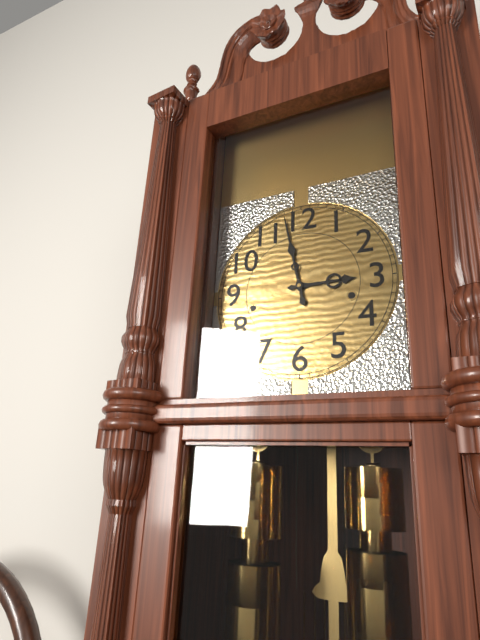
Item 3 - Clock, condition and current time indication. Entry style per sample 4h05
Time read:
2h58
